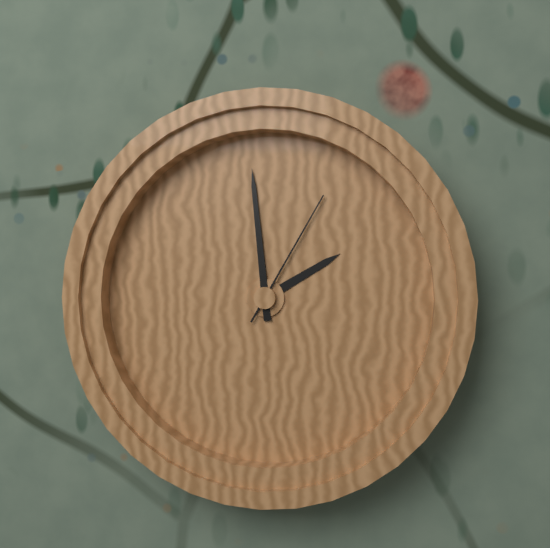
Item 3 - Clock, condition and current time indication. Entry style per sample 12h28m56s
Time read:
1h59m05s
